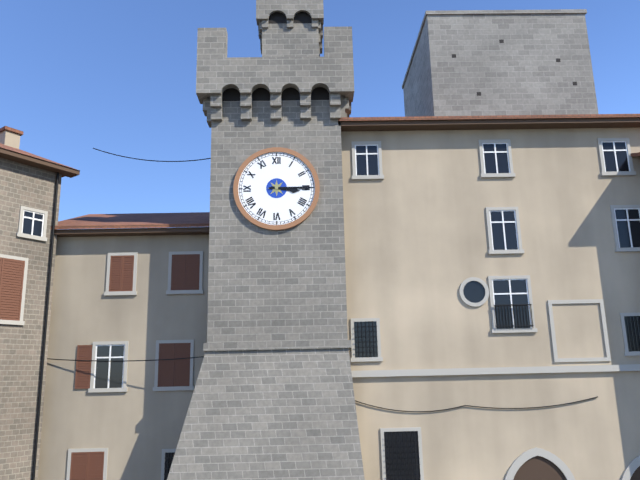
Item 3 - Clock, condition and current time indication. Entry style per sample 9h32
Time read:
3h15
